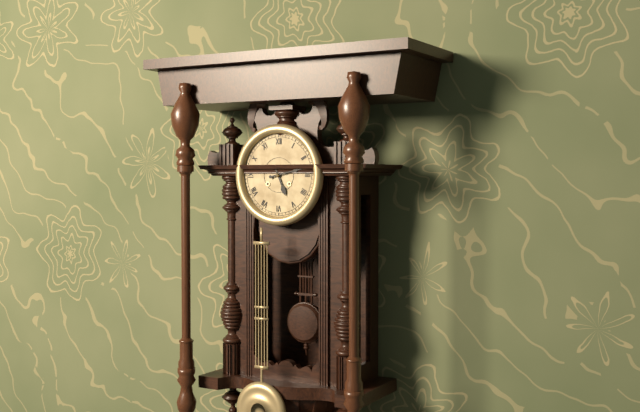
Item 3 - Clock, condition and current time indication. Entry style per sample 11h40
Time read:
5h13
